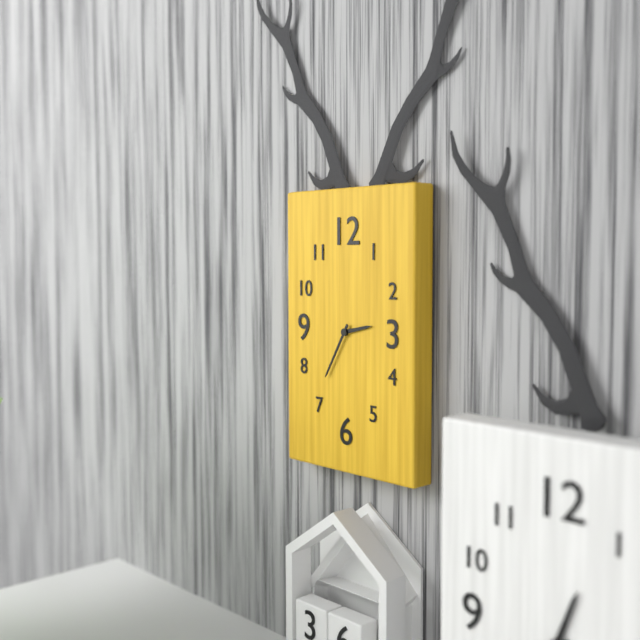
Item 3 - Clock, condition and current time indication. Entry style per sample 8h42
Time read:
2h35
